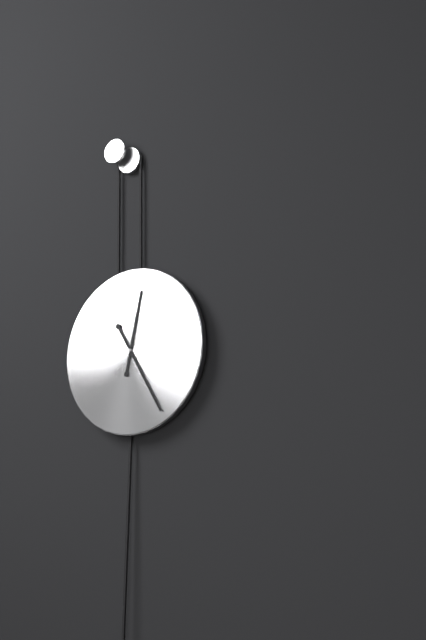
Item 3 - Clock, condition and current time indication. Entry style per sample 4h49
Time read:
12h25
